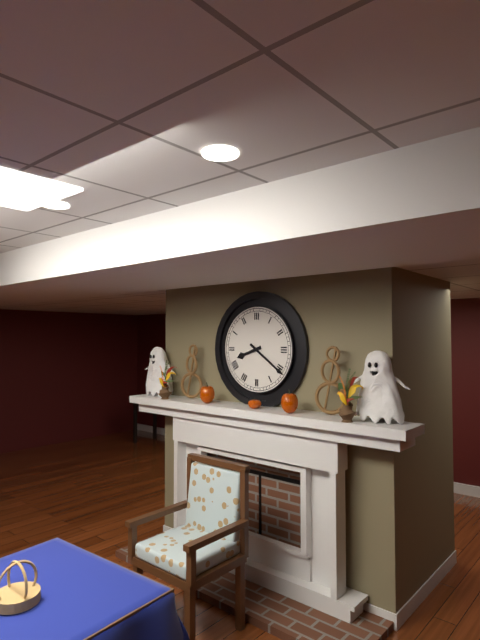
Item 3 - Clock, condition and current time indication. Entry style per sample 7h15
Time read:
8h21
